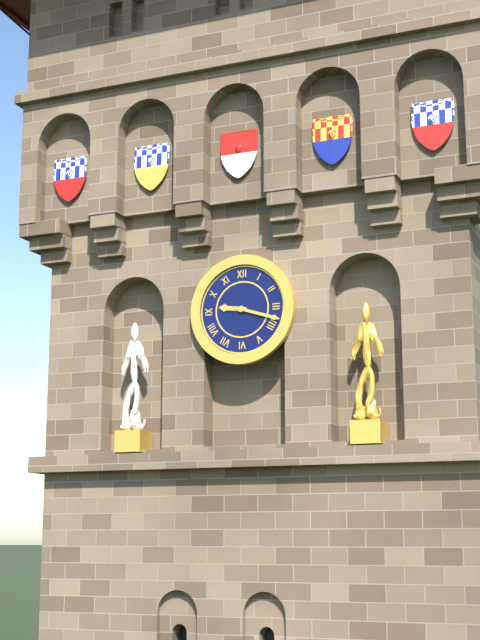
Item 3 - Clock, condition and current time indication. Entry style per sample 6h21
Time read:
9h18
